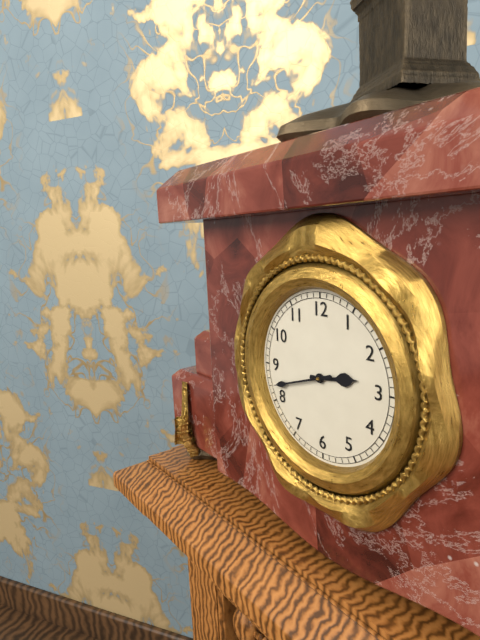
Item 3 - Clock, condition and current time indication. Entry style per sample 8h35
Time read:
2h42
